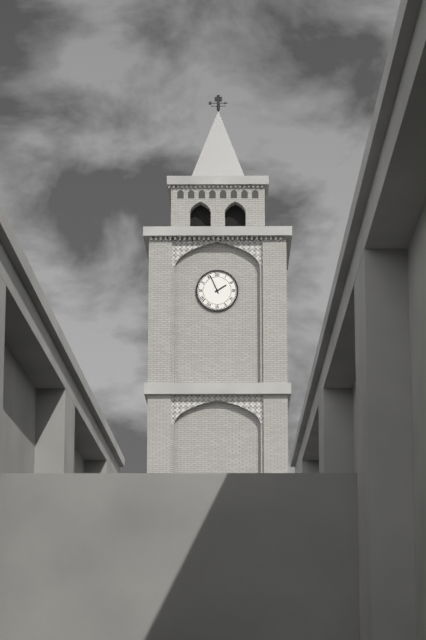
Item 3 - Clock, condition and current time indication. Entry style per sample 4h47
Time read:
1h56
